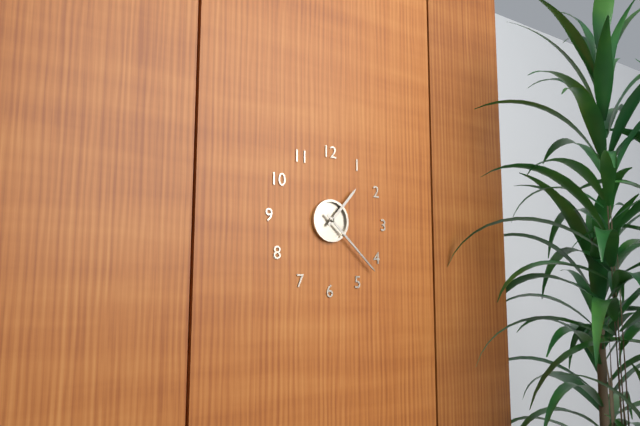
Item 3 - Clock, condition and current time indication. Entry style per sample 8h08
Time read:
1h22
